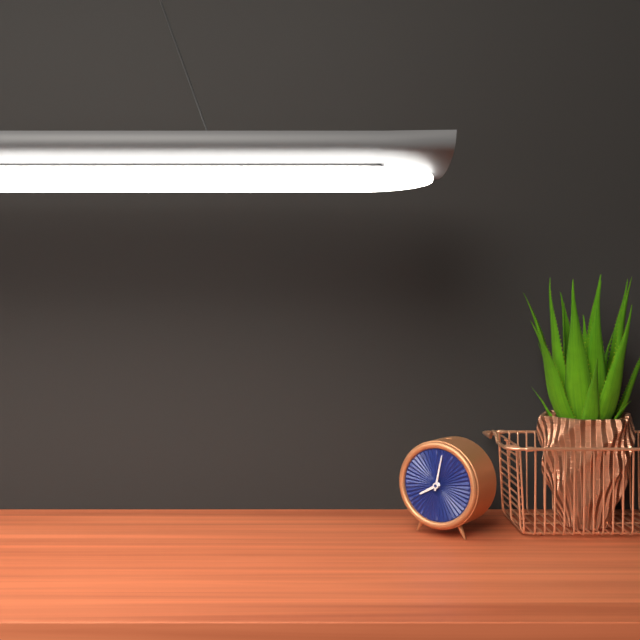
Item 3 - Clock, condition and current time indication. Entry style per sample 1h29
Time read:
8h02
